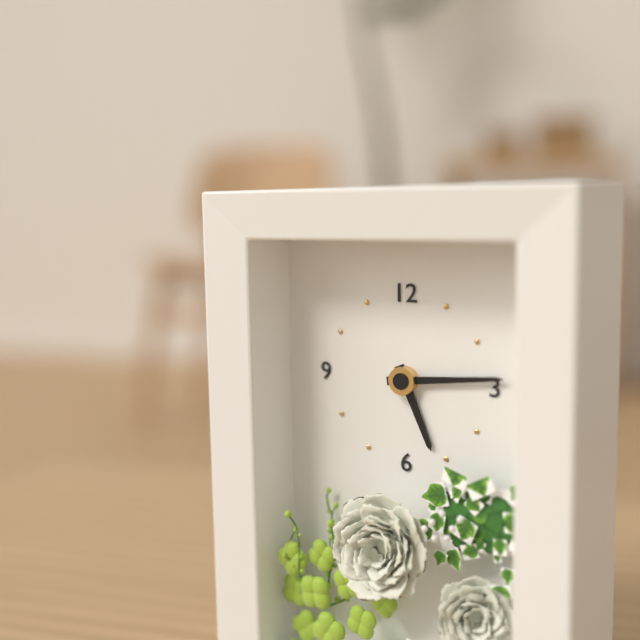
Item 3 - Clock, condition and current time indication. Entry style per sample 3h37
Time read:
5h14
